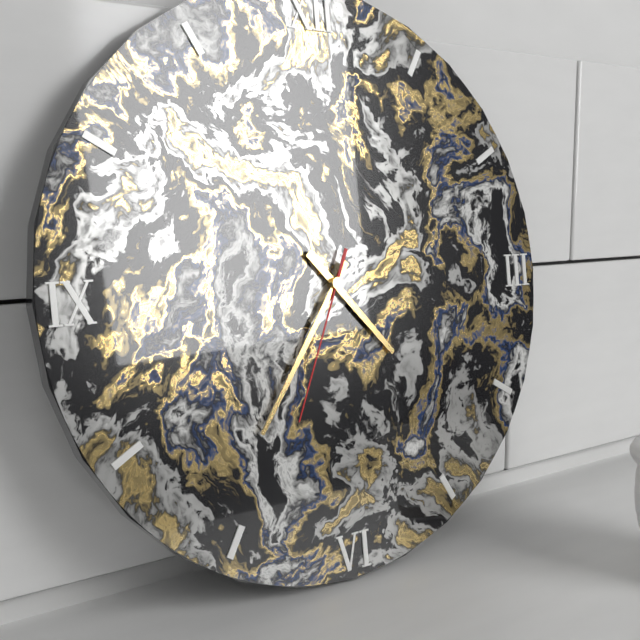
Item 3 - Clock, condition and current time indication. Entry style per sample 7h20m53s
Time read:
4h36m34s
